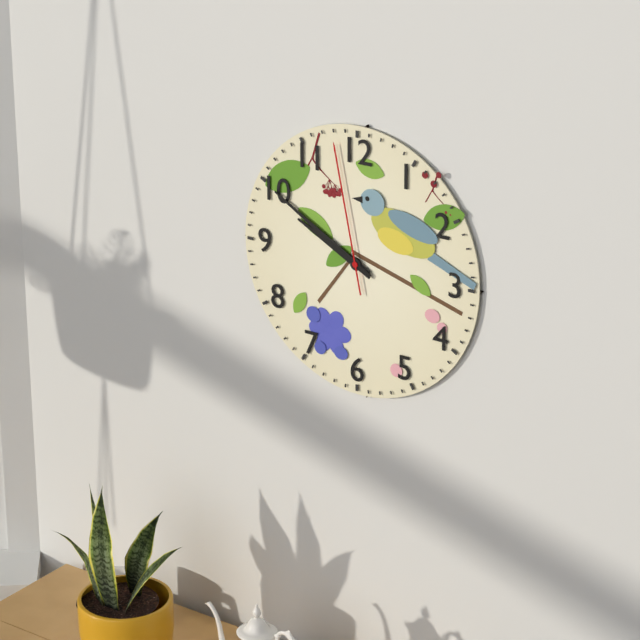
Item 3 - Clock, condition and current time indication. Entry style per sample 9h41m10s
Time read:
9h50m58s
